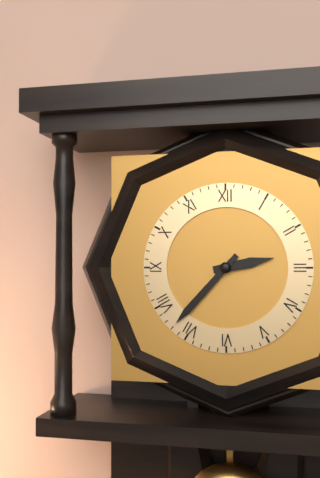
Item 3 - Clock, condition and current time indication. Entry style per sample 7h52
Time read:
2h37
